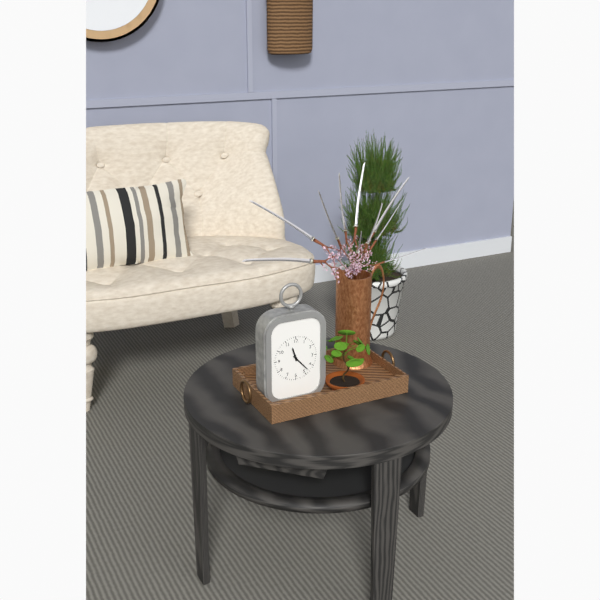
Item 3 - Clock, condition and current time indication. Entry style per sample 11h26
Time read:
11h23
